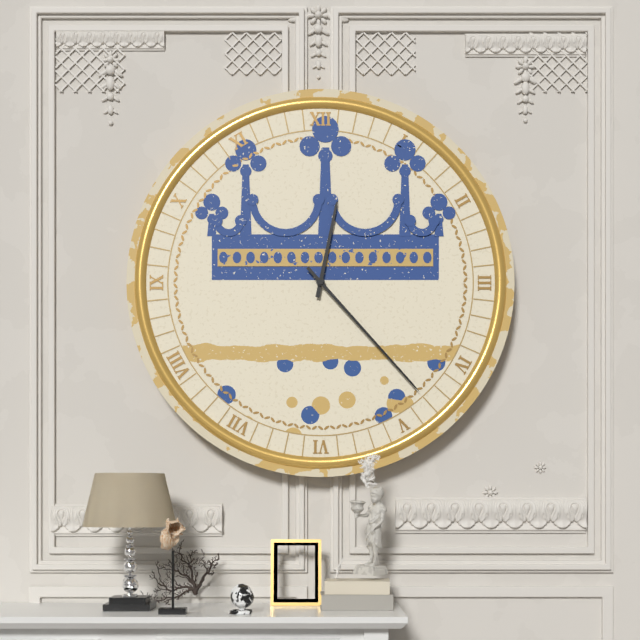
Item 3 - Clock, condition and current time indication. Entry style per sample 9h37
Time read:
12h23
